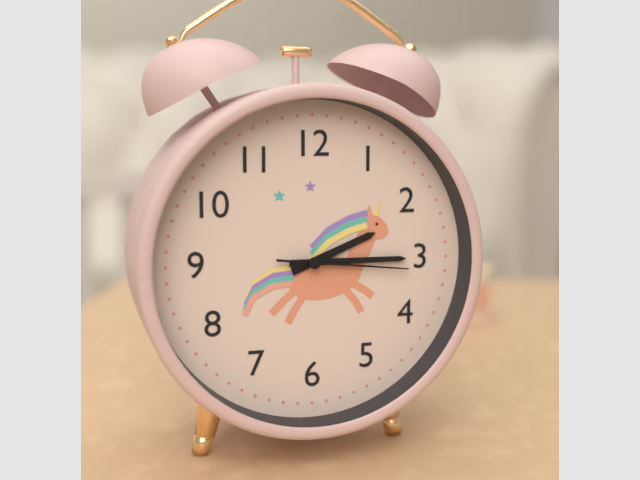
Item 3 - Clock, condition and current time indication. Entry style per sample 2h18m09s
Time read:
2h15m16s
